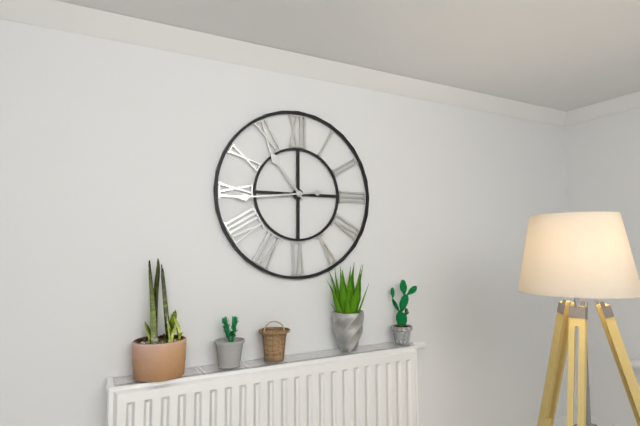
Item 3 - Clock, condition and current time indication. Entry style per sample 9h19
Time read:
10h44
